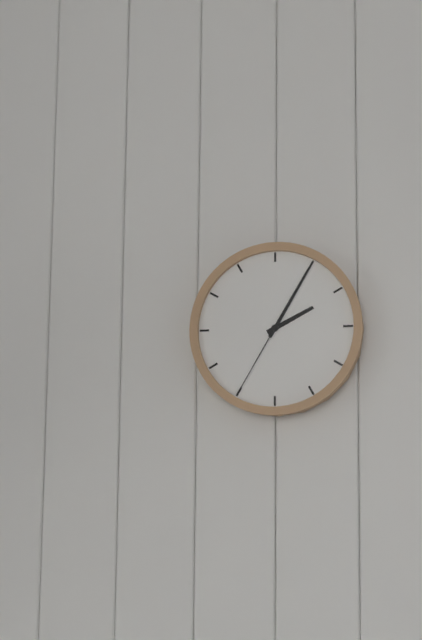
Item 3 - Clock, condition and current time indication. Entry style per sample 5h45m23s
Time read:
2h05m35s
